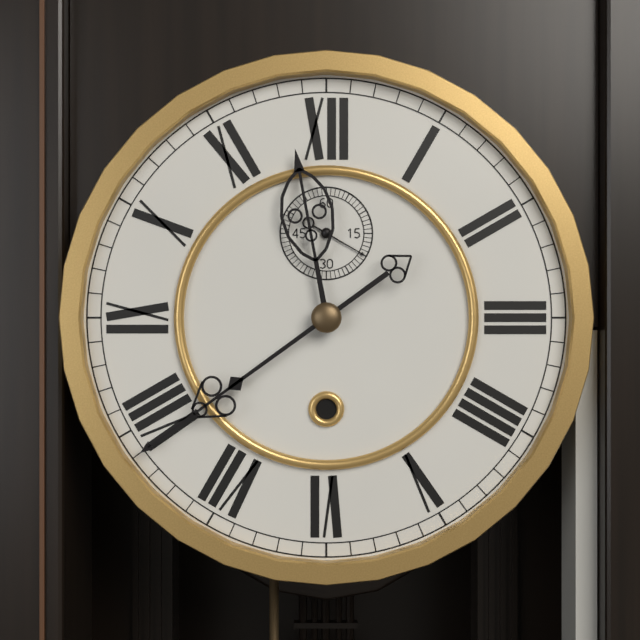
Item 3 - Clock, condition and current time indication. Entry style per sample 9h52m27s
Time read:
11h39m20s
